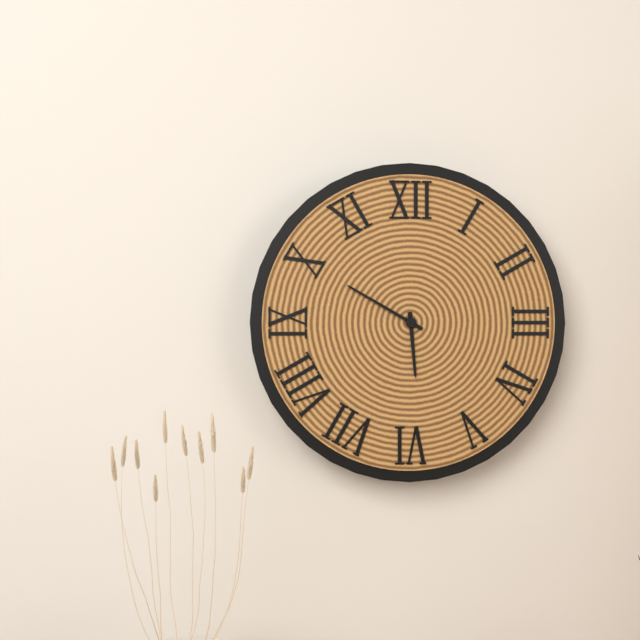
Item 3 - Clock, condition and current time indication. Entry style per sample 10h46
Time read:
5h50
